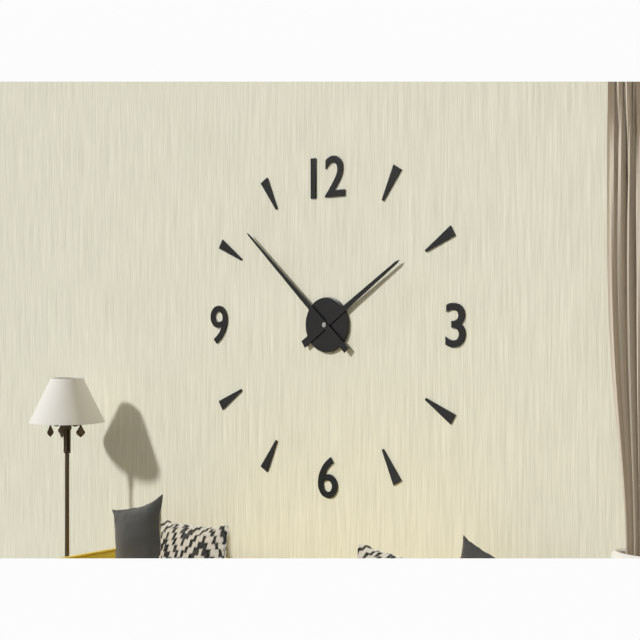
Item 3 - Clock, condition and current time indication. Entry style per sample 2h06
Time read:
1h52
